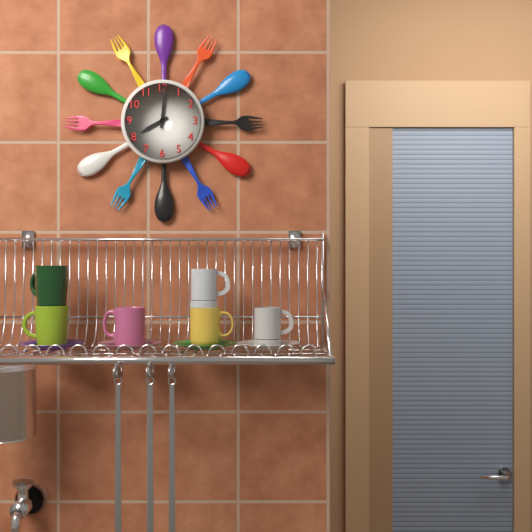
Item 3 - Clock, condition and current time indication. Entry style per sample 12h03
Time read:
8h01
